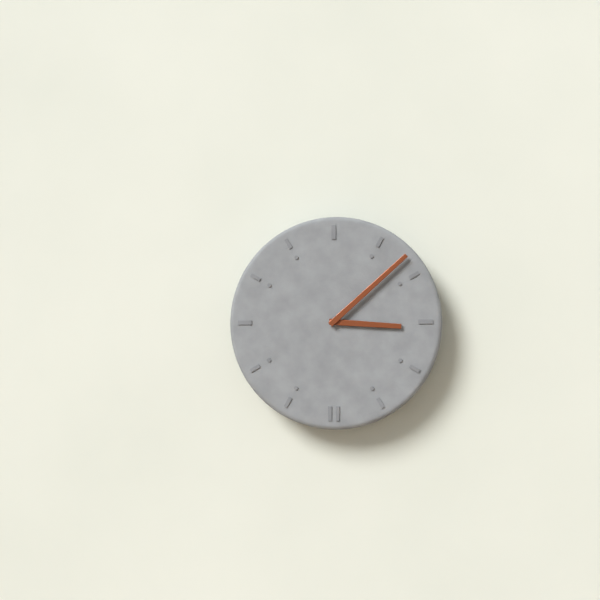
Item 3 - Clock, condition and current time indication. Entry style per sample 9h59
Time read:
3h08
